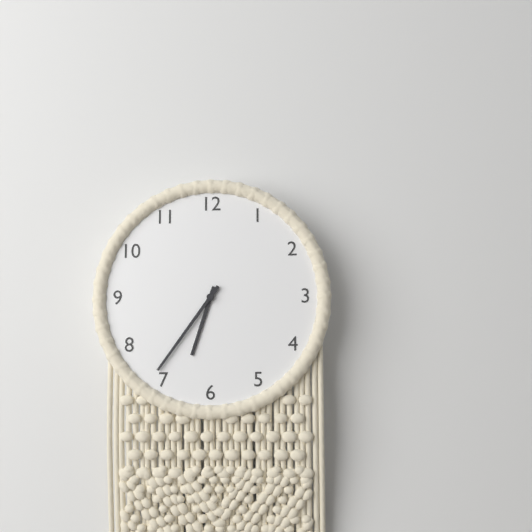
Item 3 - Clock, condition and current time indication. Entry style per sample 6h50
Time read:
6h36
